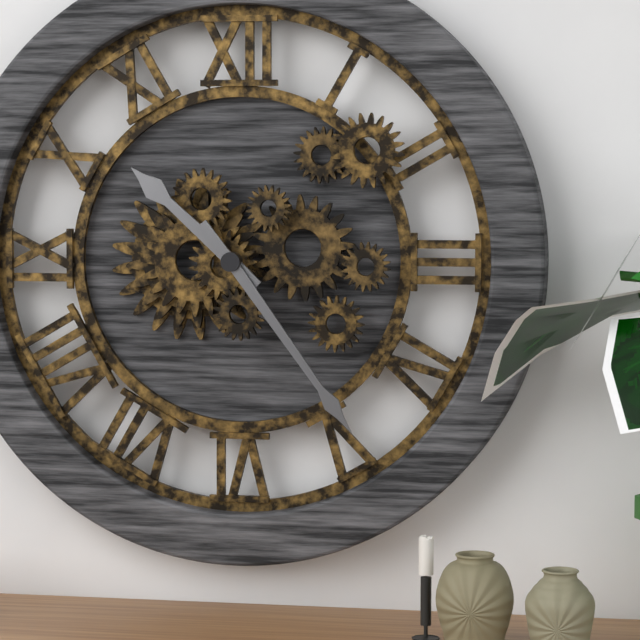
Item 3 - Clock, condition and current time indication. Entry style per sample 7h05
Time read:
10h24
